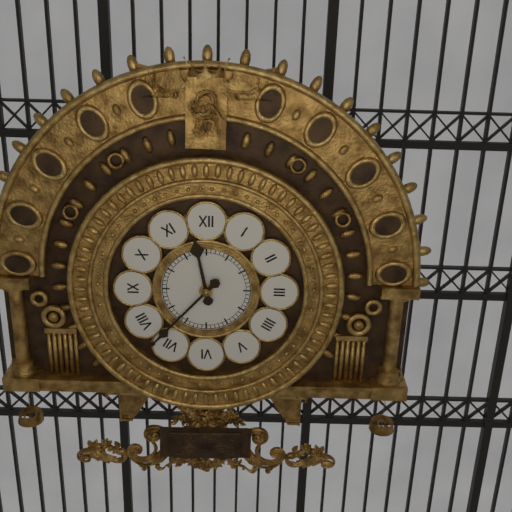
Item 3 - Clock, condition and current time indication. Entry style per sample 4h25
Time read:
11h37
